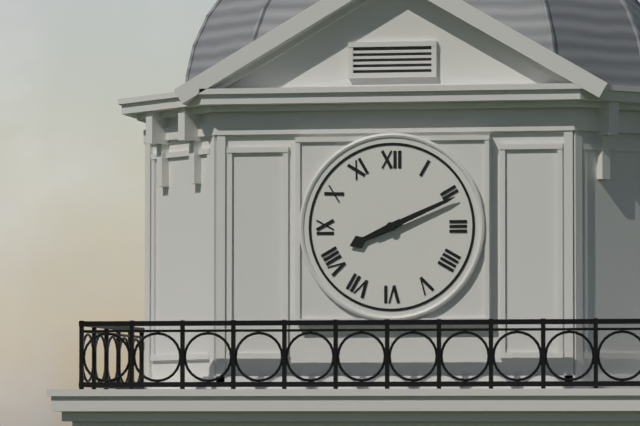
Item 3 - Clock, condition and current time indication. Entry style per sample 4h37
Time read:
8h11
